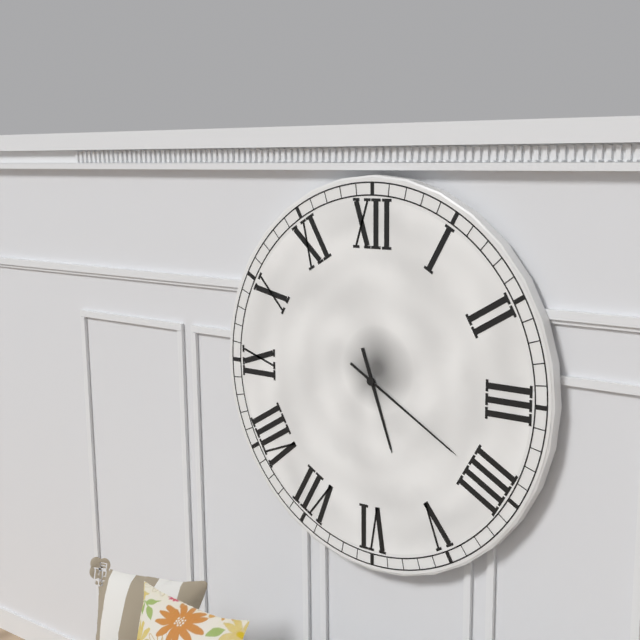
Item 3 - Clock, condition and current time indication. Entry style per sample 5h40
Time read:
5h20
